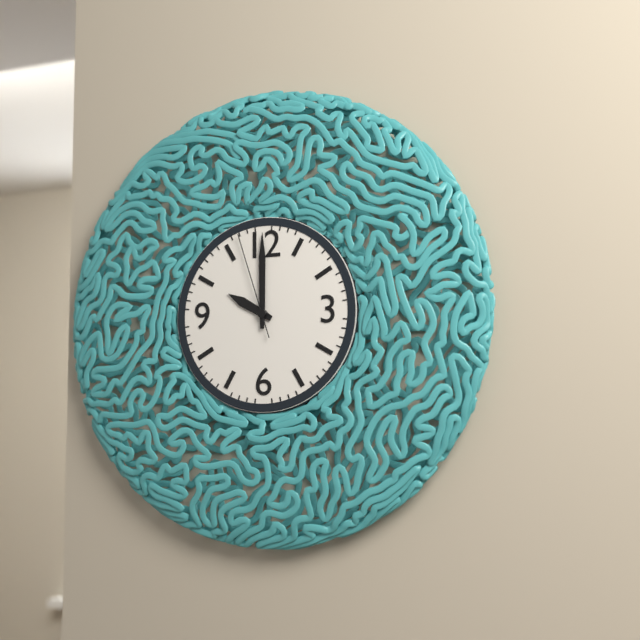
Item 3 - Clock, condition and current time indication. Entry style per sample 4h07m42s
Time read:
10h00m57s
